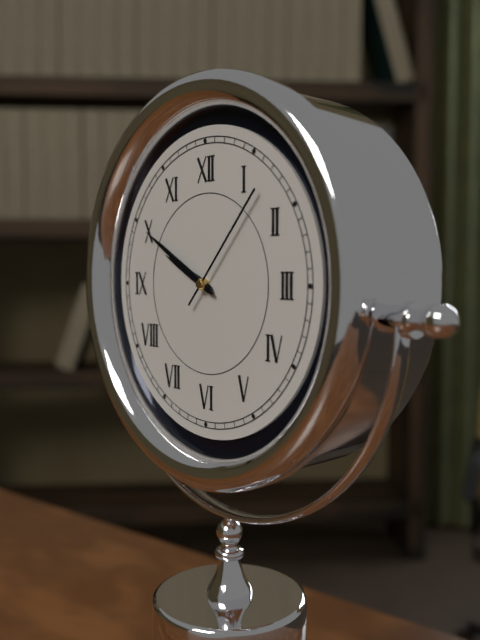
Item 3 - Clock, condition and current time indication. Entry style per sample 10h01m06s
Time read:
9h50m07s
